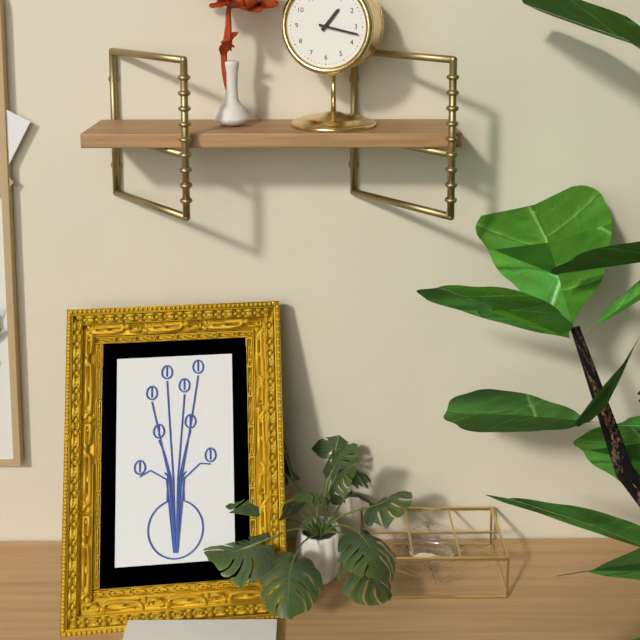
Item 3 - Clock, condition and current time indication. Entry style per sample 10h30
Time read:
1h17
